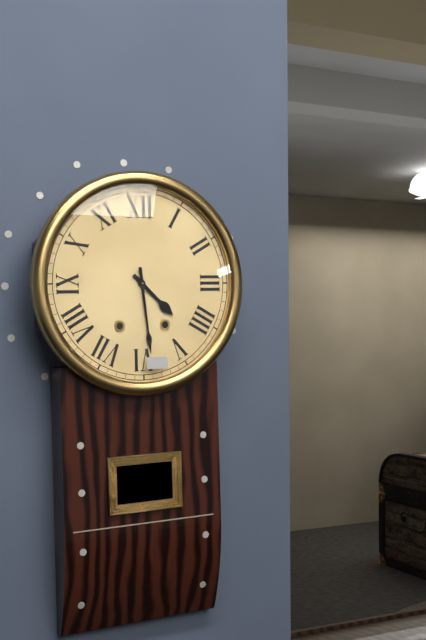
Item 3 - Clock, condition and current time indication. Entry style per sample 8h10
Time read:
4h29
